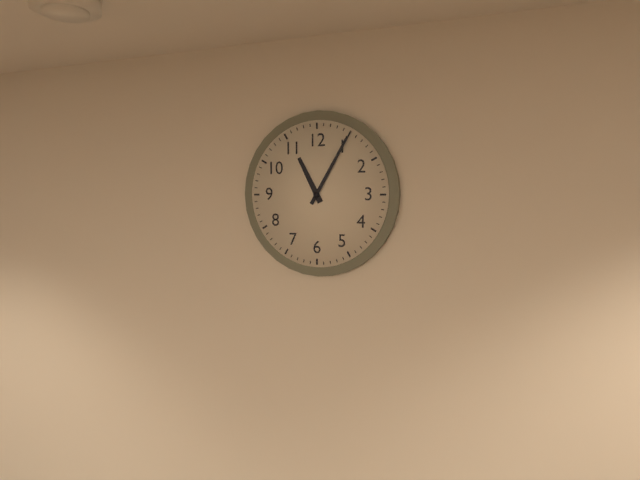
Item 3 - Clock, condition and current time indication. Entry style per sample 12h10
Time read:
11h05
